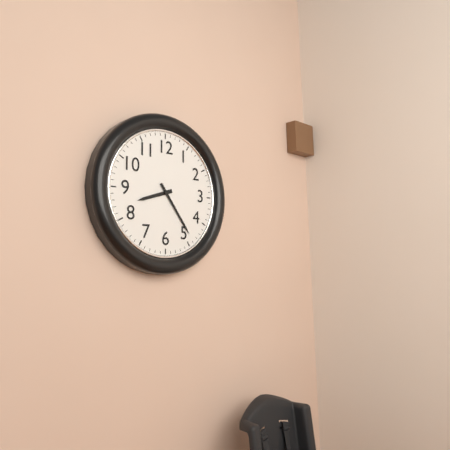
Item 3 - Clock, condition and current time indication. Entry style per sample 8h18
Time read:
8h24
